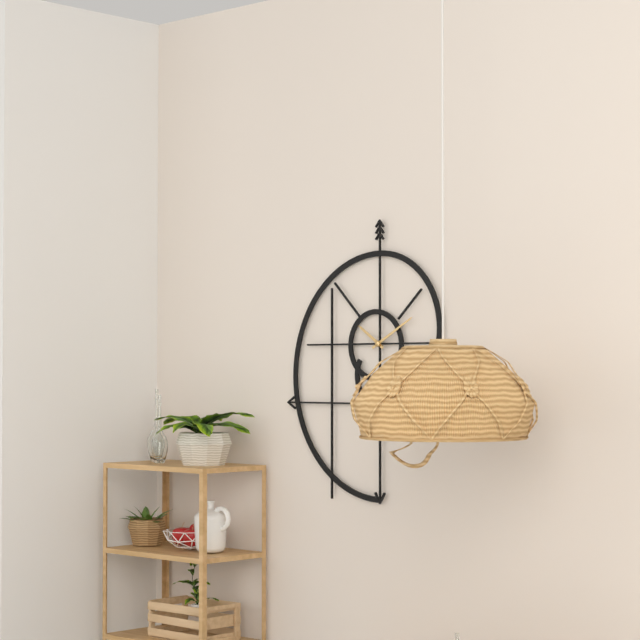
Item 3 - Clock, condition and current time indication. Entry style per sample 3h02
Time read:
10h10
